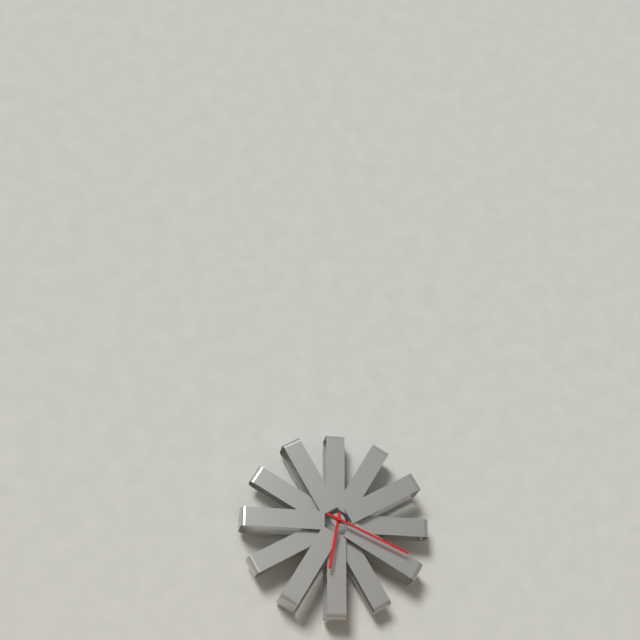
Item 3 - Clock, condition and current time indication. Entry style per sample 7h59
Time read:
6h19
